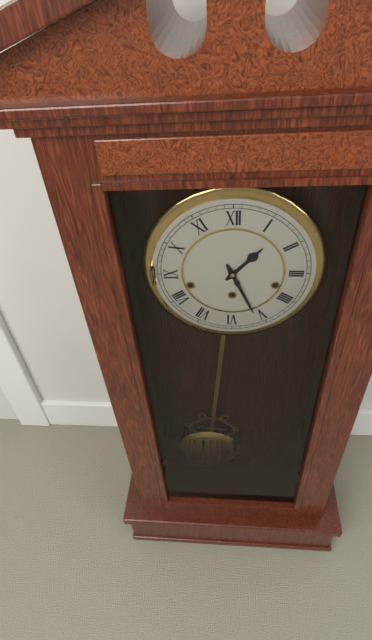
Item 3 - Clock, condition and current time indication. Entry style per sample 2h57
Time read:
1h26
